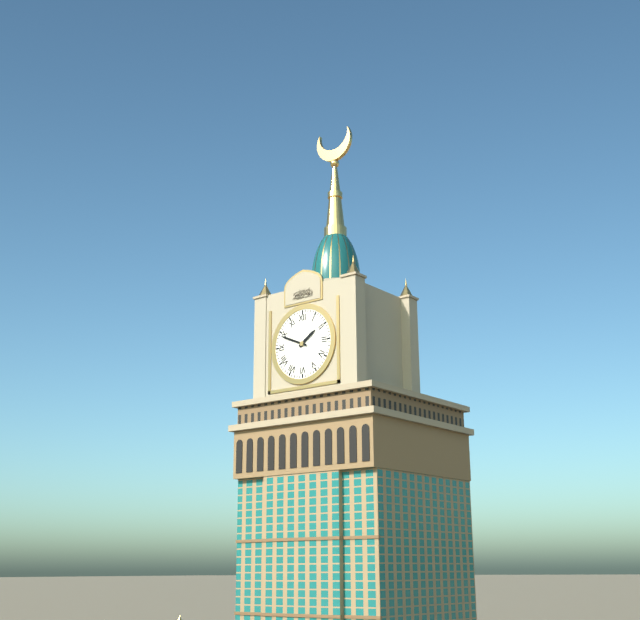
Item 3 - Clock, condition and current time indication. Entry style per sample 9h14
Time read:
1h49
